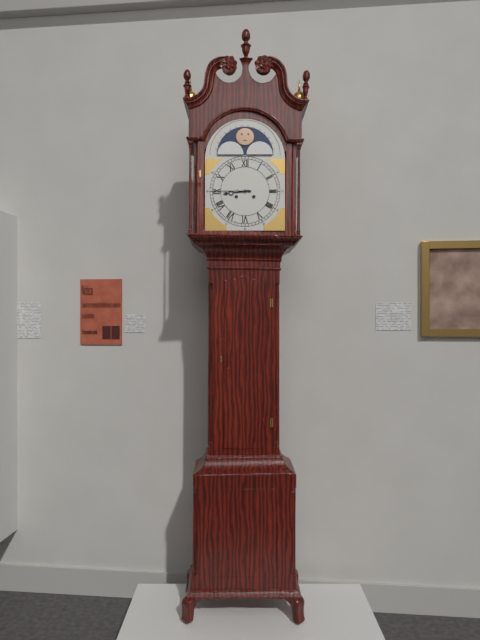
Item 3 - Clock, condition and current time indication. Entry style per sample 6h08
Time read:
8h45
